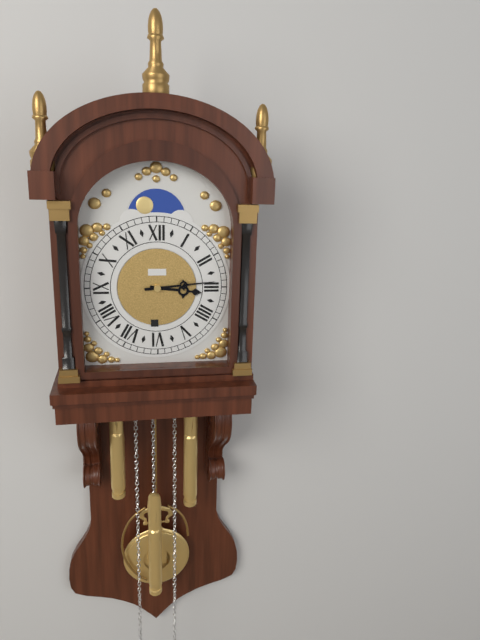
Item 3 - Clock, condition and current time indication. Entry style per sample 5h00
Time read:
3h14
